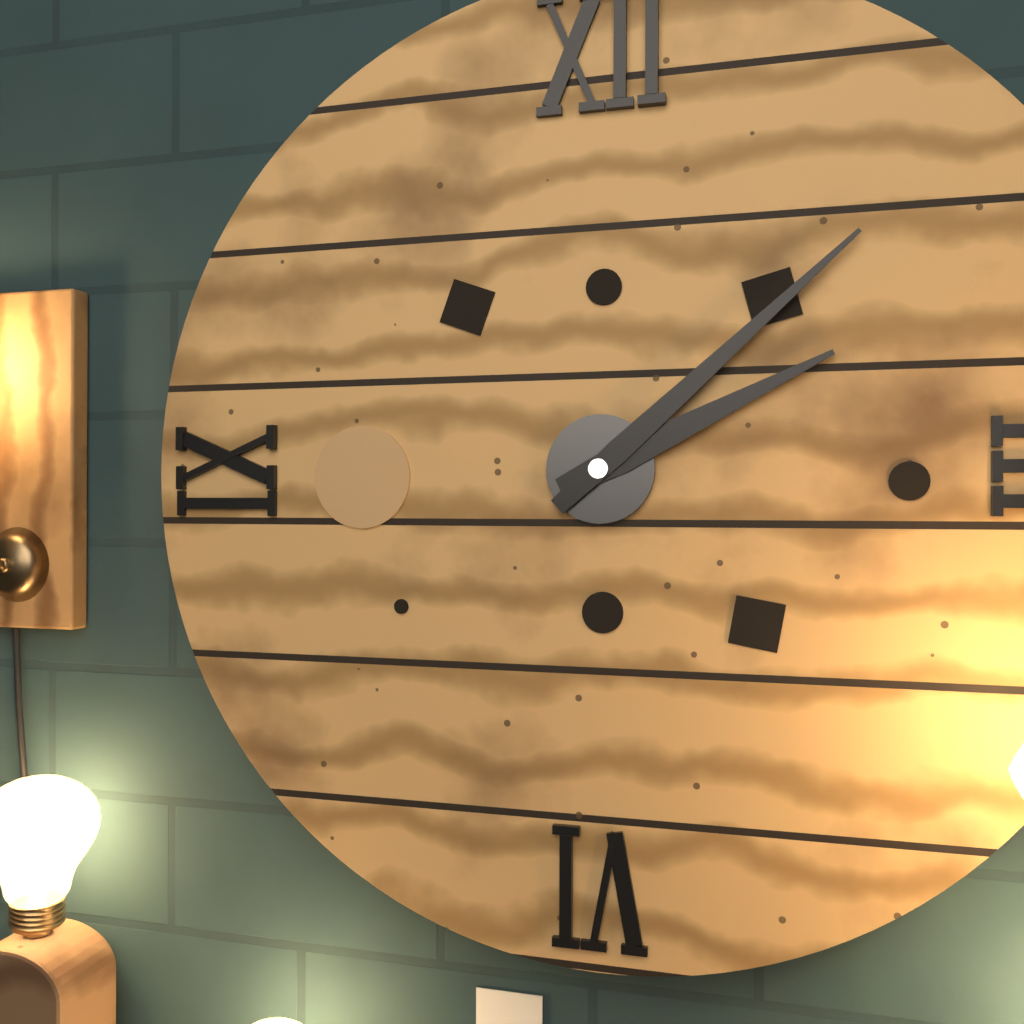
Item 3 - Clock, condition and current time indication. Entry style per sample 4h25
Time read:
2h08
